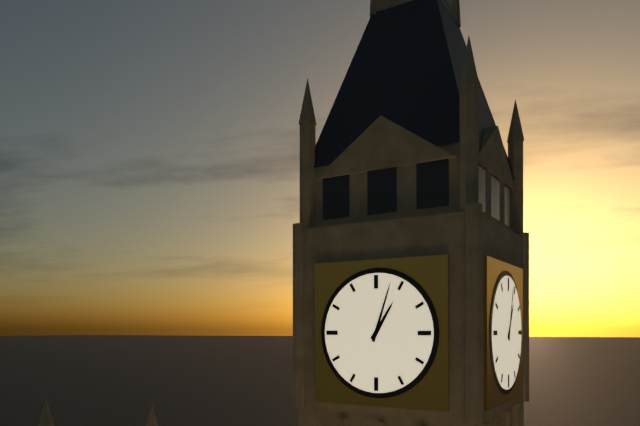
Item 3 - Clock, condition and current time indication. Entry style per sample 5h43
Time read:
1h03
